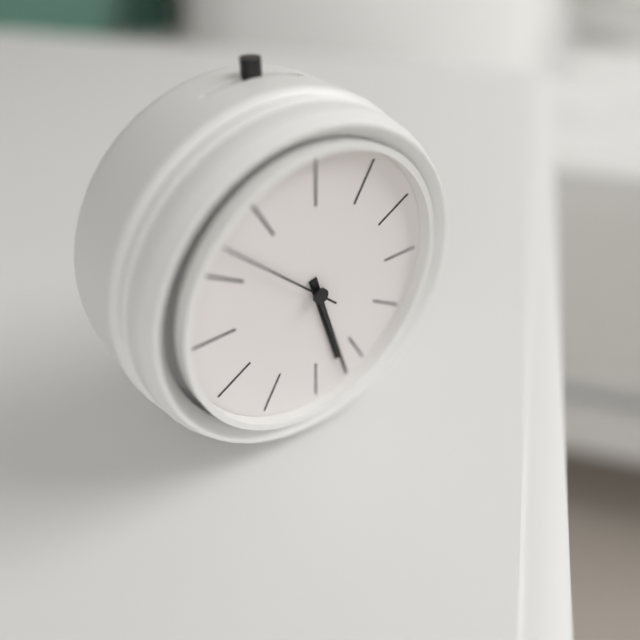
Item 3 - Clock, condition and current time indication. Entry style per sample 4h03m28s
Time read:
5h27m52s
